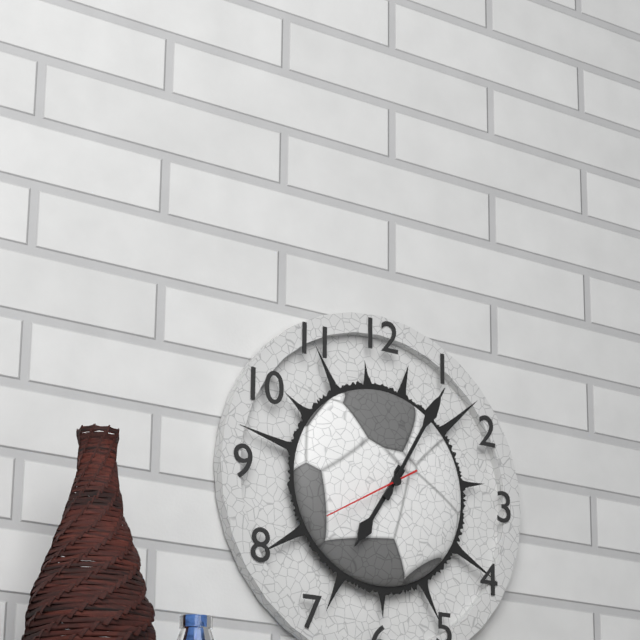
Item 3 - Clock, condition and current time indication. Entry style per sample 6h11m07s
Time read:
7h05m40s
